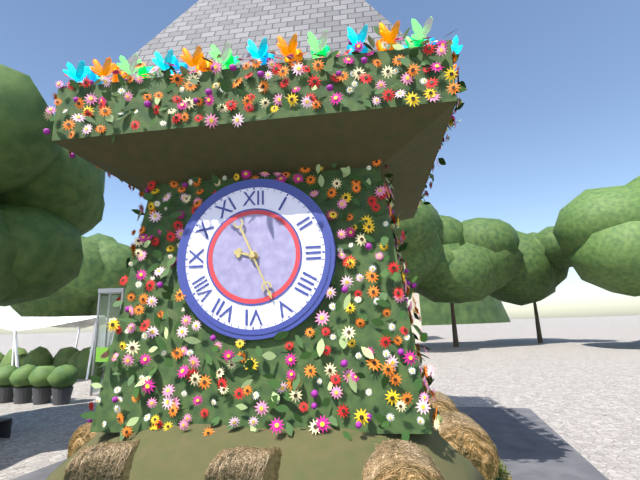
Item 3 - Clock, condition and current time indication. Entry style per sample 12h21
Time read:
9h26
